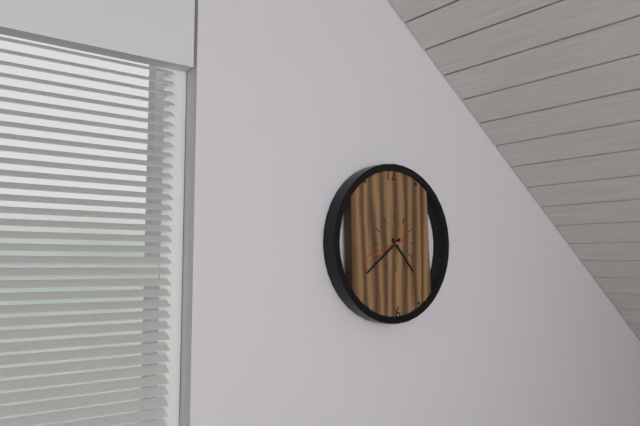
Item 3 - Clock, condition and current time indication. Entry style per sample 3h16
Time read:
4h39
